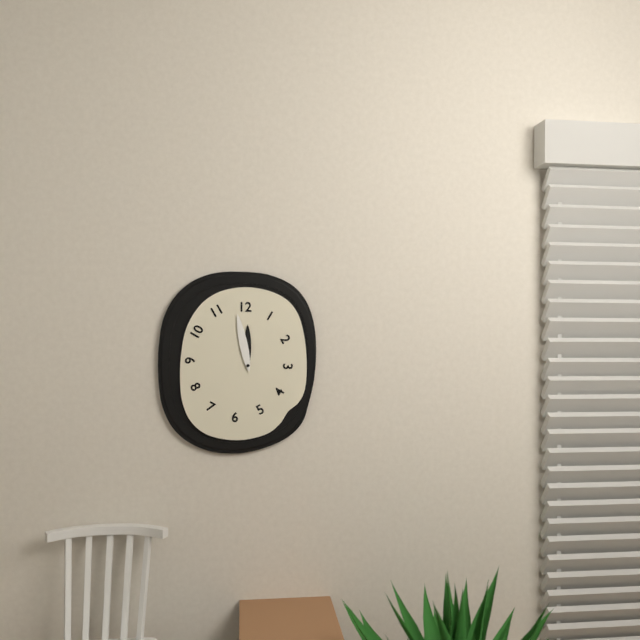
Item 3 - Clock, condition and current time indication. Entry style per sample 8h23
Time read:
11h58
